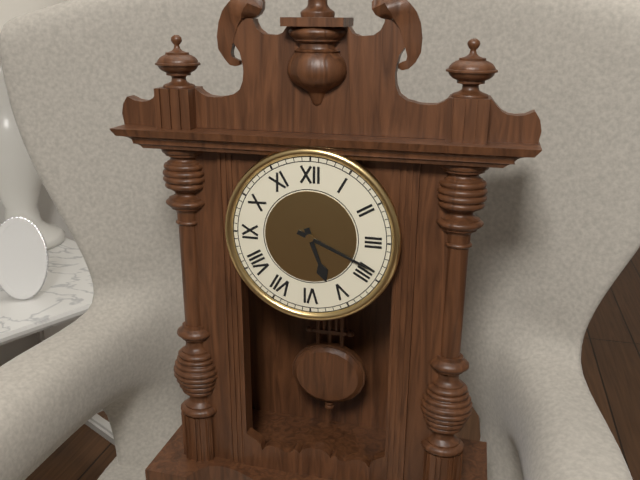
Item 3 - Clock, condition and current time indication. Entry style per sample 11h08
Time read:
5h19
